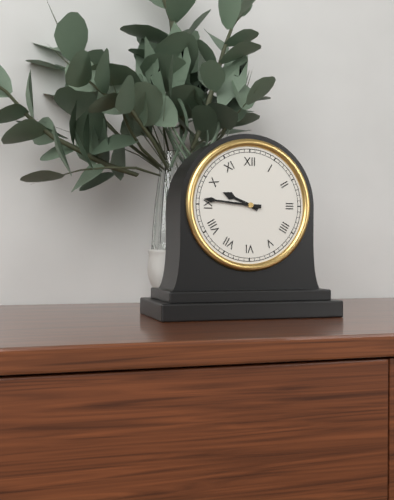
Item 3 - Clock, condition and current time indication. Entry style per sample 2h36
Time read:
9h46
